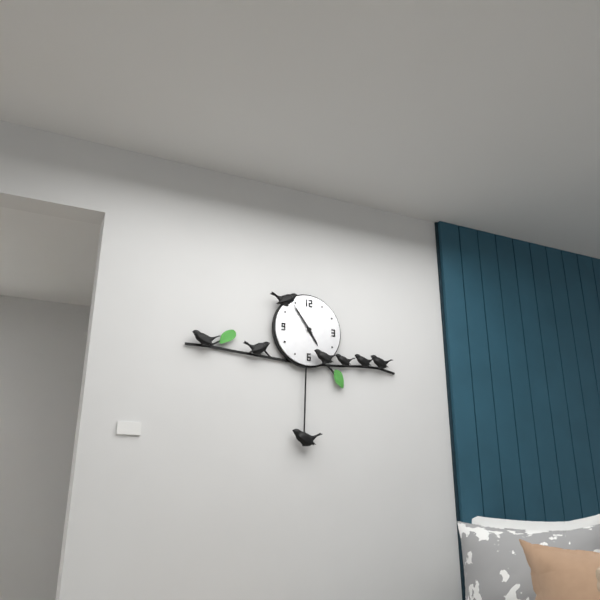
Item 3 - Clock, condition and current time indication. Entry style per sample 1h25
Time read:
4h54
